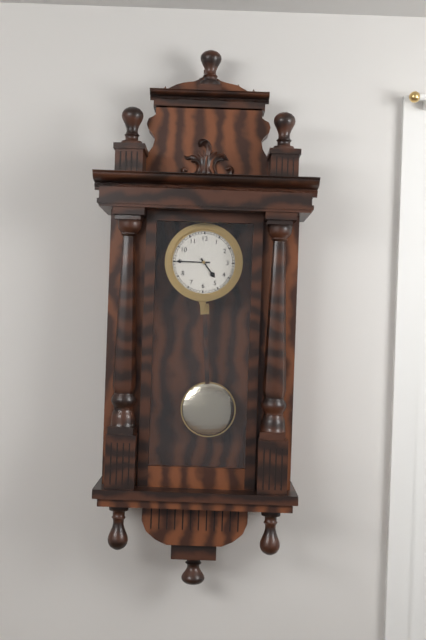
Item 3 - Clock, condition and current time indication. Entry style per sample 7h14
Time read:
4h45
